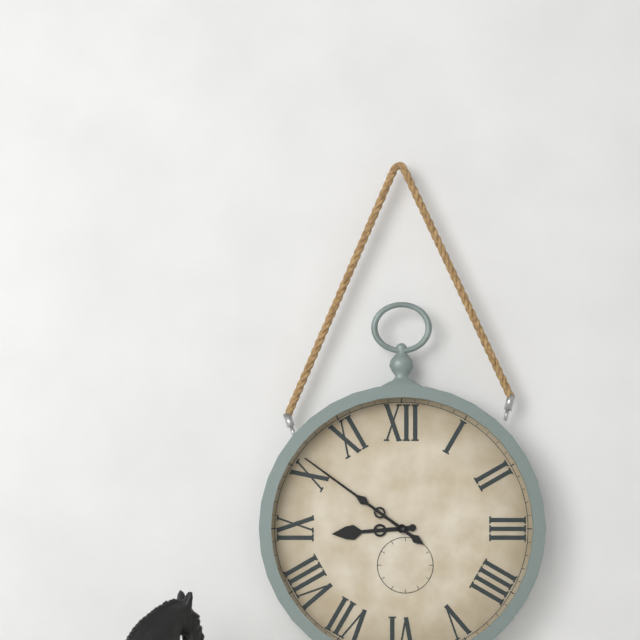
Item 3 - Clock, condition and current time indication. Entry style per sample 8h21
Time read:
8h51
